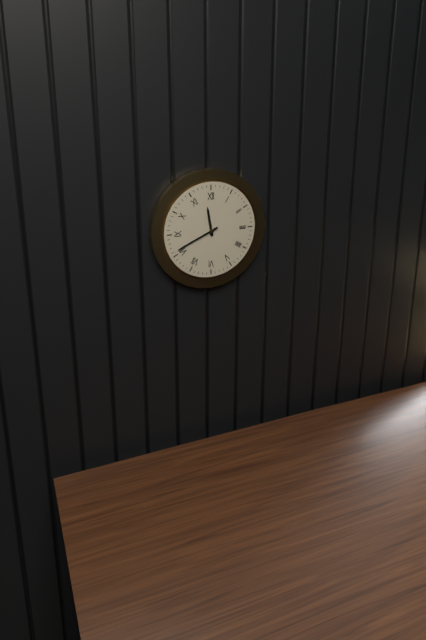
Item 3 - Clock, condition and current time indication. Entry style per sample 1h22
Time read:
11h41
